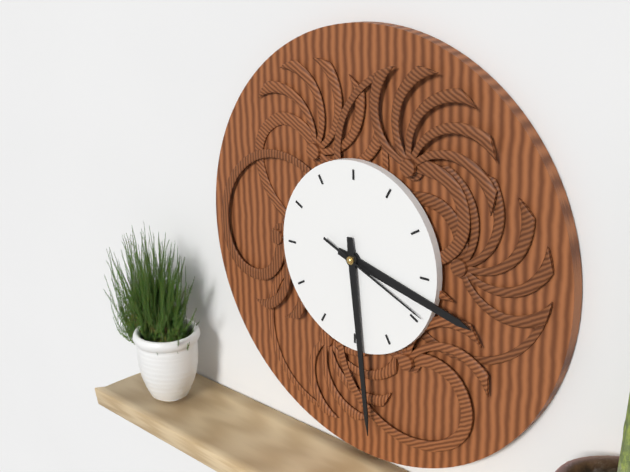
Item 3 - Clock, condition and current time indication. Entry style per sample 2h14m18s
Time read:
3h29m19s
